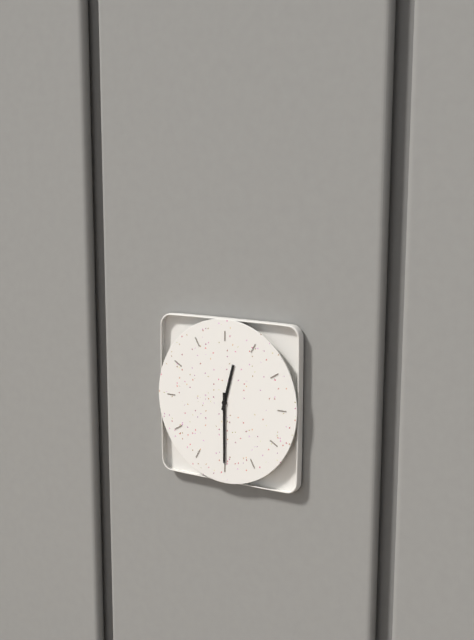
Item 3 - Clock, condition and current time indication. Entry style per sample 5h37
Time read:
12h30
